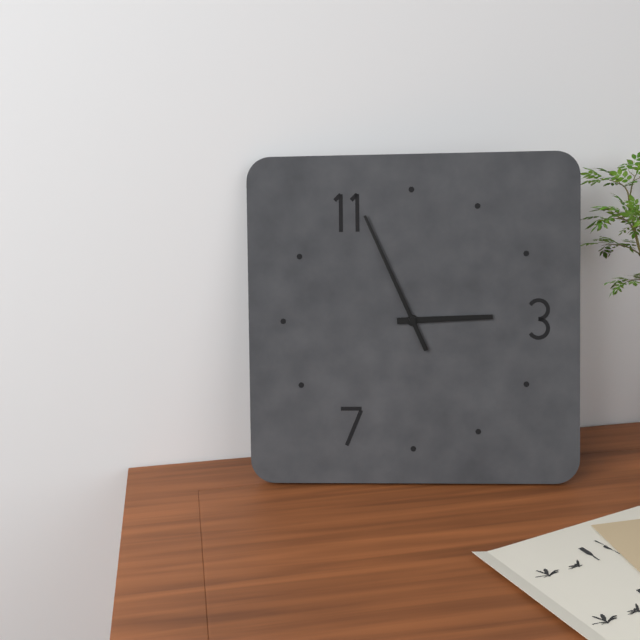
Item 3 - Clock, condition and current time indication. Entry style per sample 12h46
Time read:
2h56
